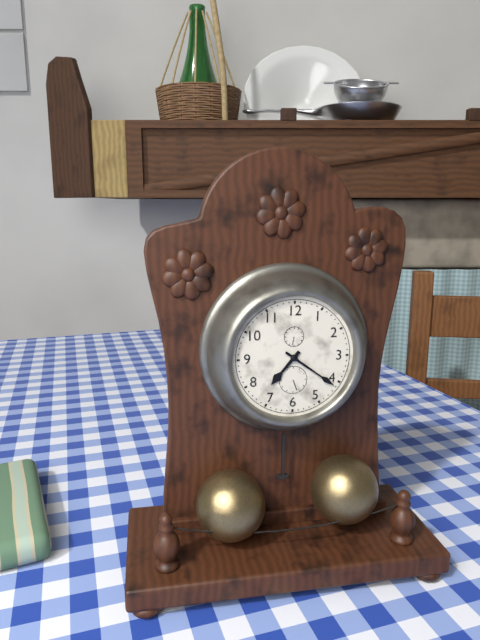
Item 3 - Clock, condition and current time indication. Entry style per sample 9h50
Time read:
7h21
